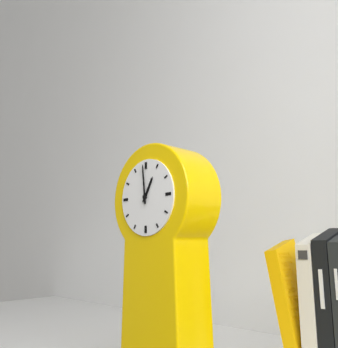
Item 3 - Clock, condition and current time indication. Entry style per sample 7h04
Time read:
12h59
